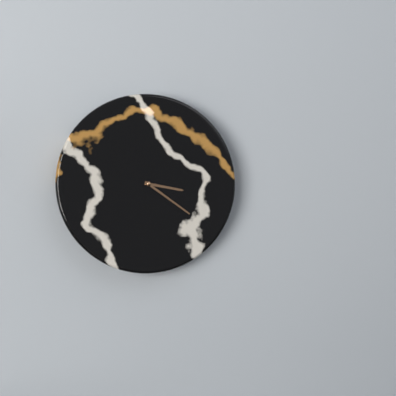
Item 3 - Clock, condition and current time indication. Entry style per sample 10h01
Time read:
3h21
